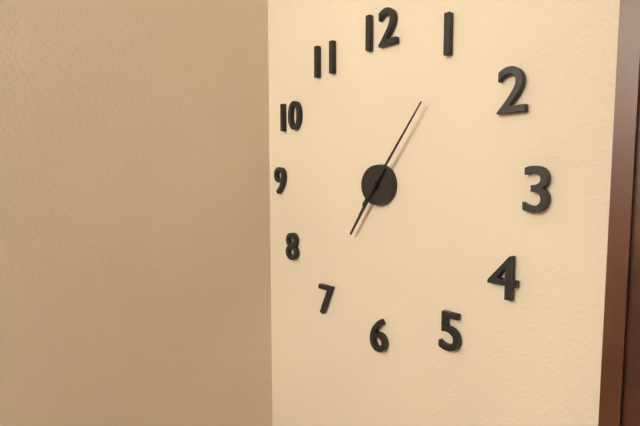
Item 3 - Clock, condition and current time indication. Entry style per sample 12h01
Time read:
7h06
